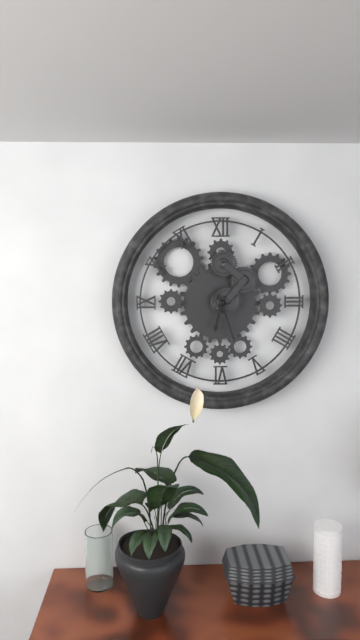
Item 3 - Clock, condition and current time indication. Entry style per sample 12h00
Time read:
6h27
